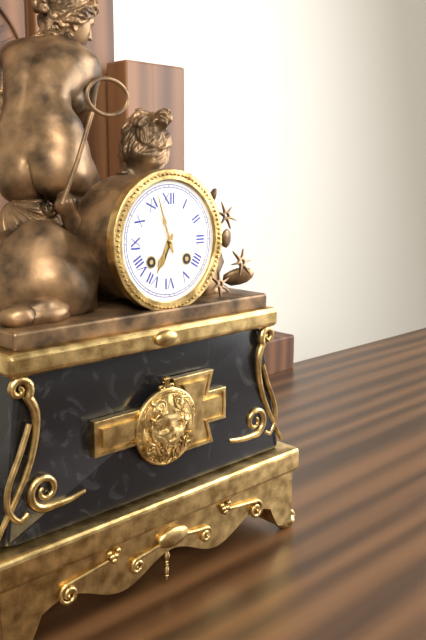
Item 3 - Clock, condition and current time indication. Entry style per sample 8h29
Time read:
6h57
